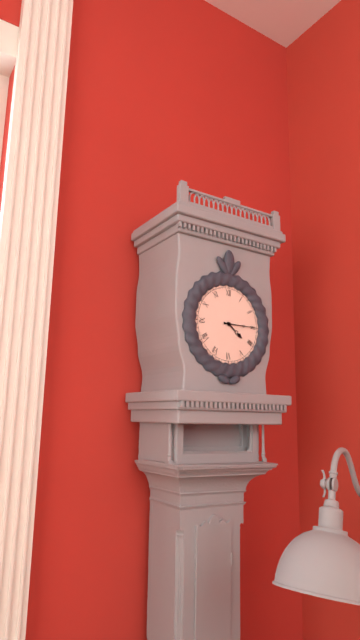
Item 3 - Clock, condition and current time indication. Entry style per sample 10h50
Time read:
4h15
